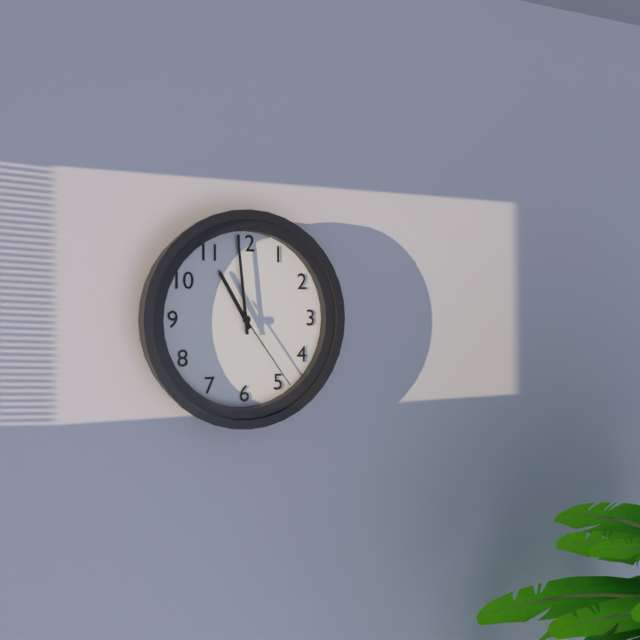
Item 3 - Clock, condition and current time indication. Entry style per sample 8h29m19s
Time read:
10h59m24s
